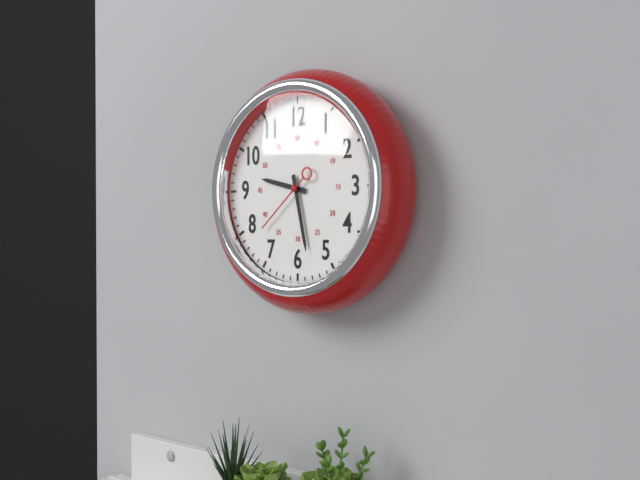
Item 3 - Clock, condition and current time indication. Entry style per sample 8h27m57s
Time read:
9h28m38s
